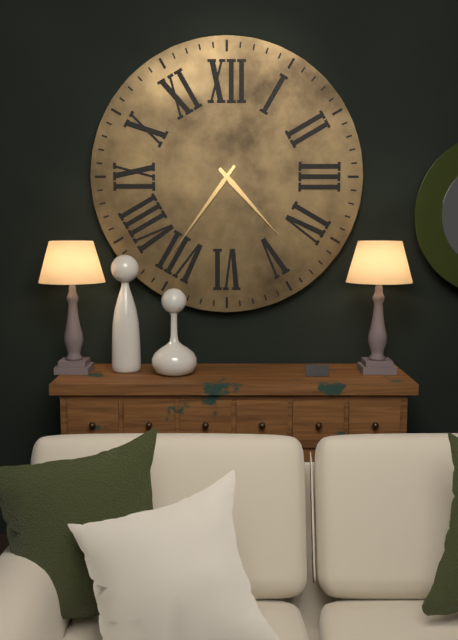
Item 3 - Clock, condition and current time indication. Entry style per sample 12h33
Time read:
4h36
